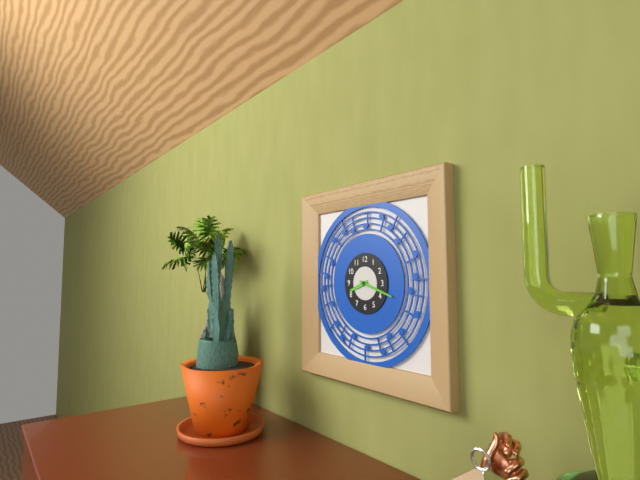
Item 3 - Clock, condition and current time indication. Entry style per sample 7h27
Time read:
8h18
